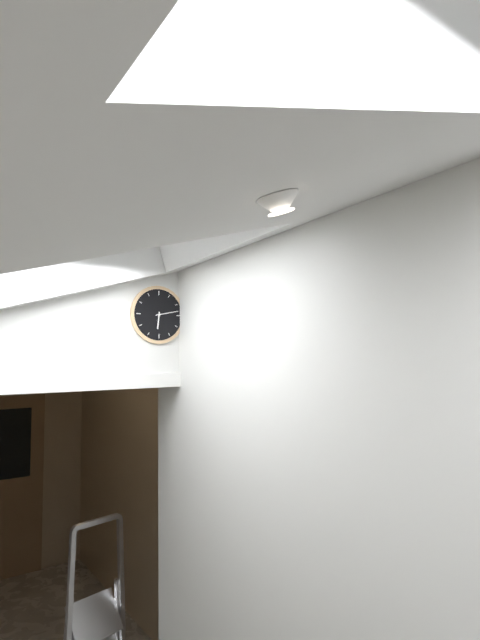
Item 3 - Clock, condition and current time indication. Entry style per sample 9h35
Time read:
6h13
